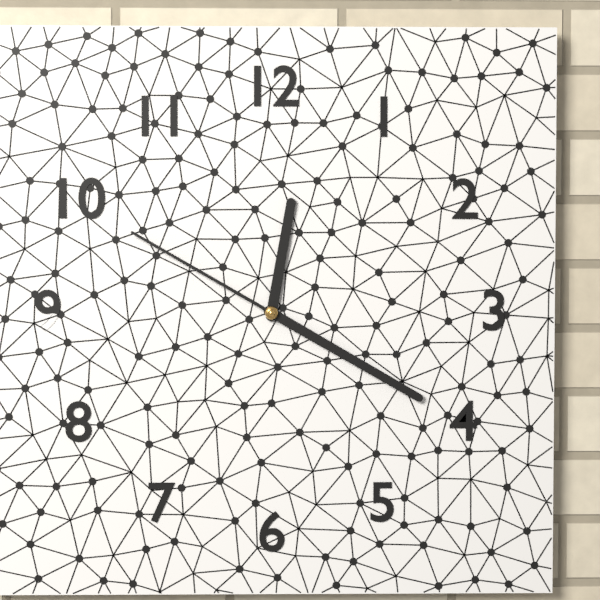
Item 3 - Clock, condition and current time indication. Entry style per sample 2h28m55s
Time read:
12h20m50s
